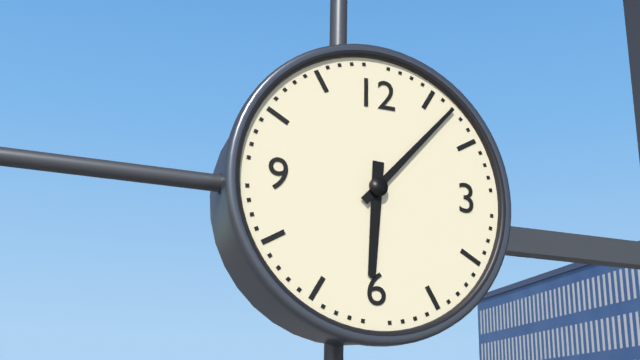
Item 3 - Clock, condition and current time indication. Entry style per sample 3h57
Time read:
6h07
